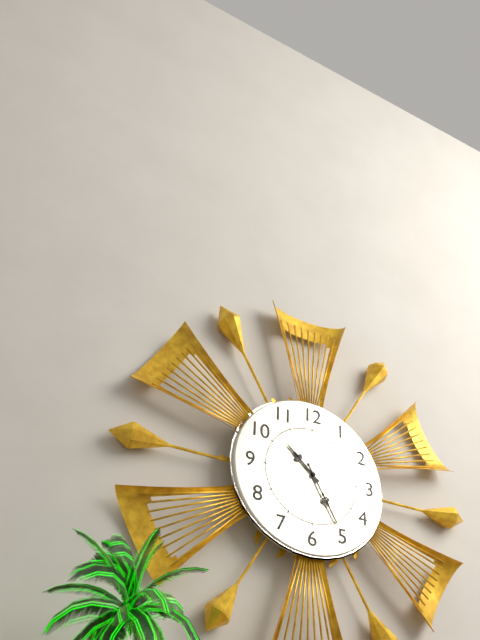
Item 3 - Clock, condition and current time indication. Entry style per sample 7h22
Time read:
10h25
